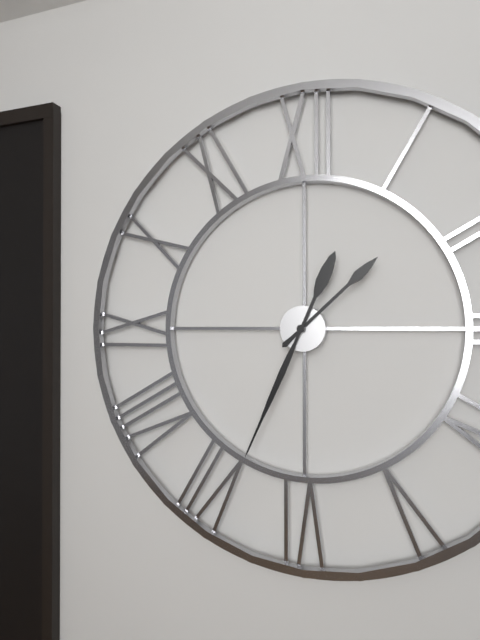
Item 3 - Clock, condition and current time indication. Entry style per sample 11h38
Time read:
1h34
